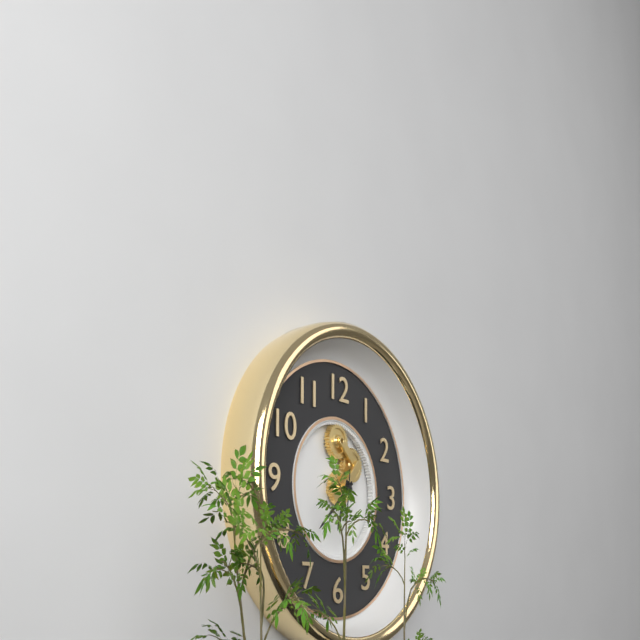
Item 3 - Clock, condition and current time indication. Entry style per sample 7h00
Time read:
6h38
